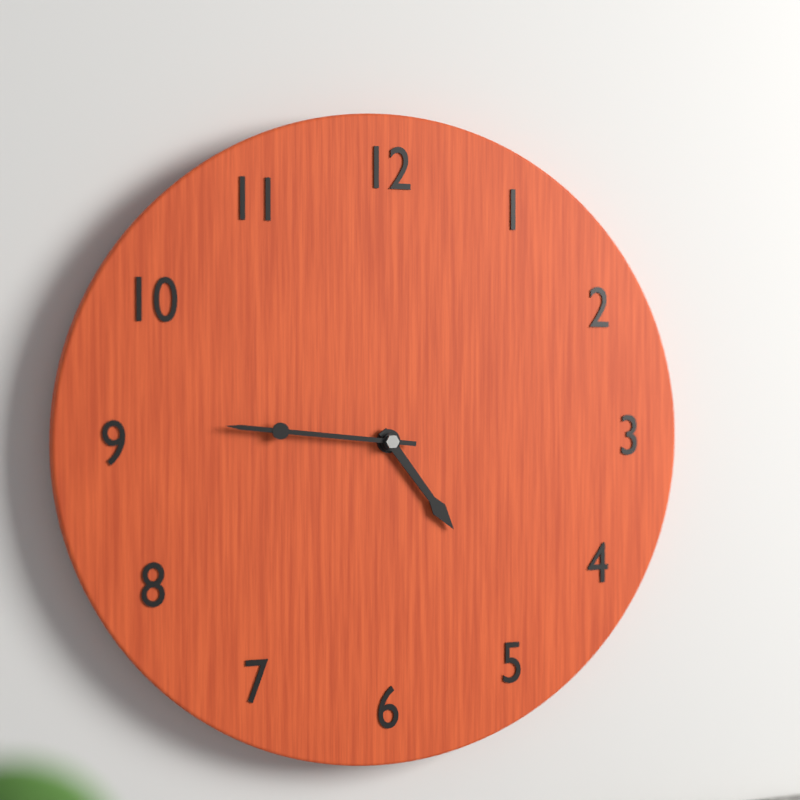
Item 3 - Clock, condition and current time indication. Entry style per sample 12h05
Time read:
4h46
